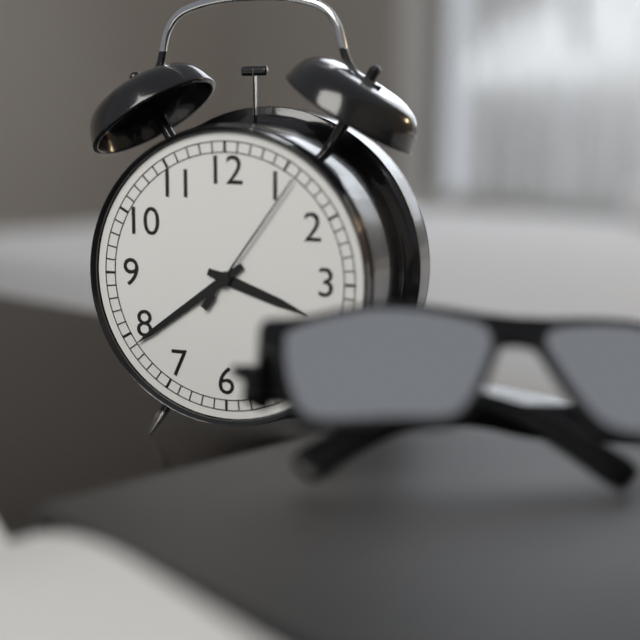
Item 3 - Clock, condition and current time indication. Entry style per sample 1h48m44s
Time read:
3h39m06s
